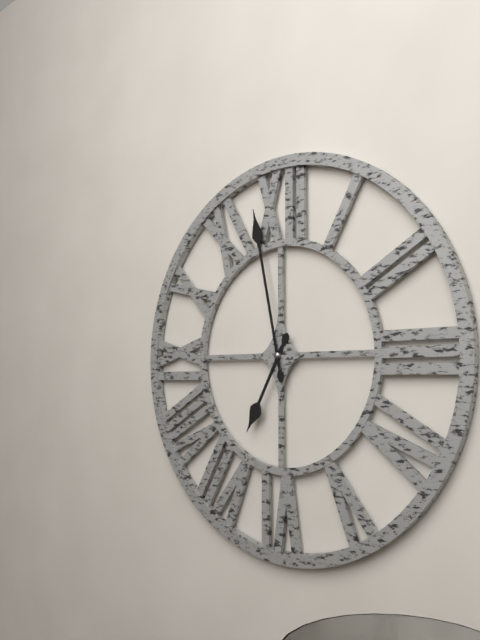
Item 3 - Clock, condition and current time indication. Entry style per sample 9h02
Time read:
6h58
